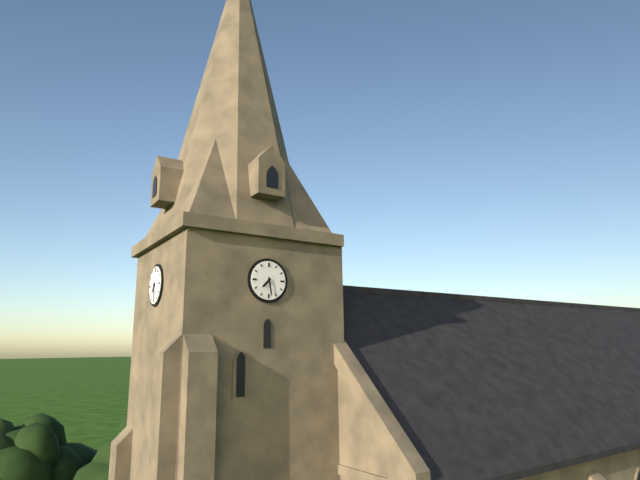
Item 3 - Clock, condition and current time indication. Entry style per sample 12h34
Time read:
7h28
